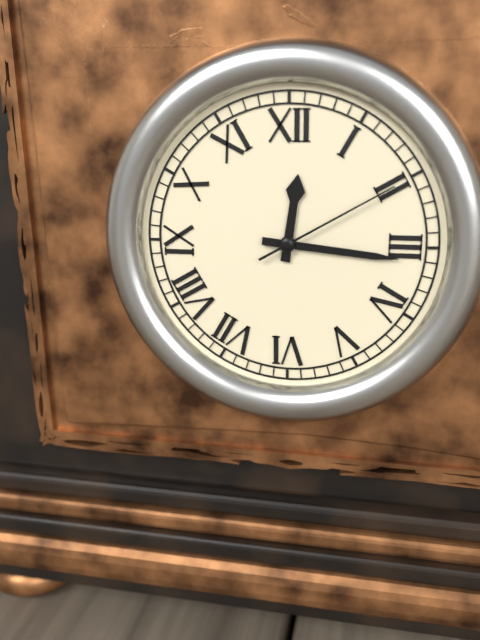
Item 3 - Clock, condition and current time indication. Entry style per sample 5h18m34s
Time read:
12h16m10s
